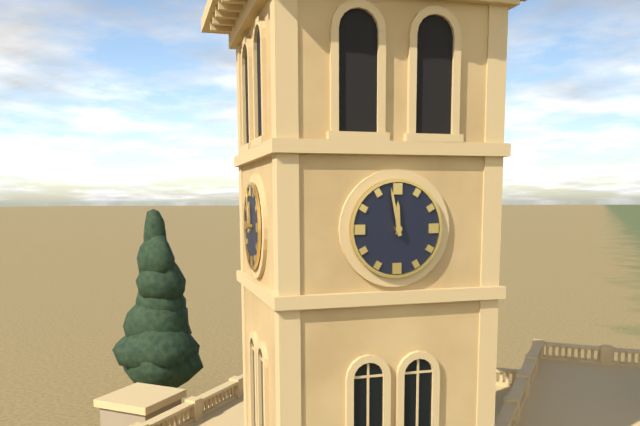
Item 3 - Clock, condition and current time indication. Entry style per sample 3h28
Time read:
11h58
